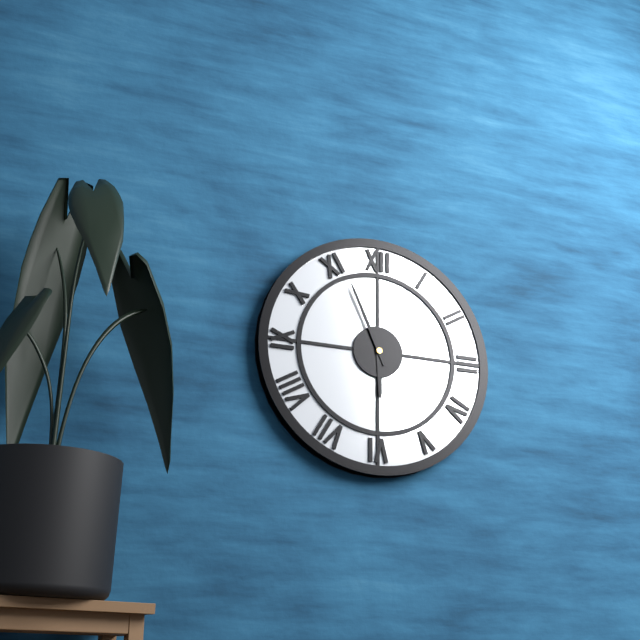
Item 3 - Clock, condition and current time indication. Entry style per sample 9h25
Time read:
5h56
